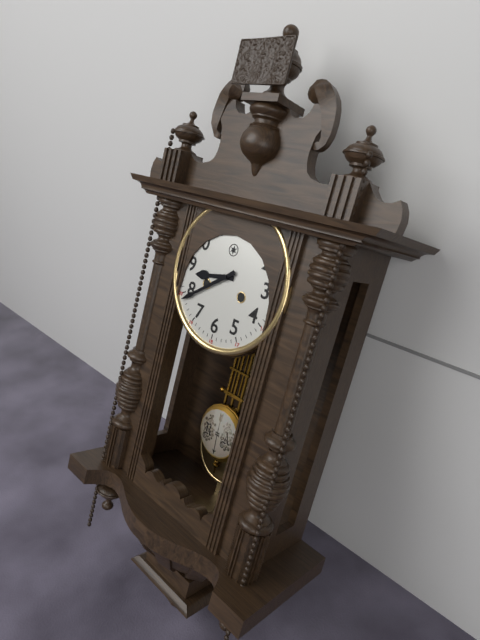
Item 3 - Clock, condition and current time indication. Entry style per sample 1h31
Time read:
8h39
